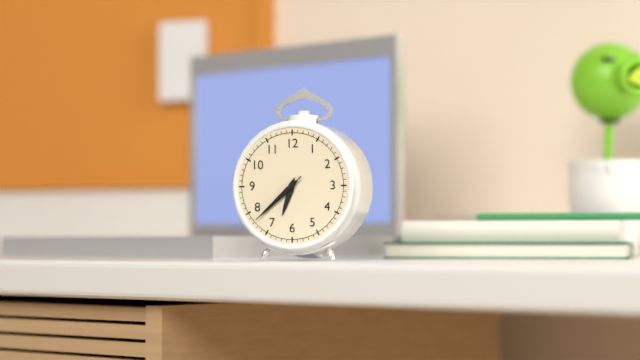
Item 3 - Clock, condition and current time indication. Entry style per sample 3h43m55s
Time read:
6h38m38s
